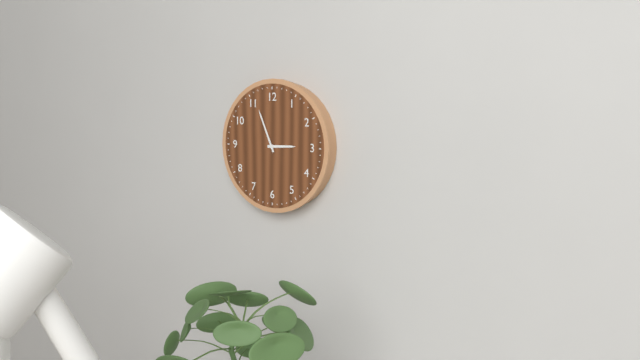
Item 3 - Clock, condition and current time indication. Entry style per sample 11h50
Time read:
2h56
